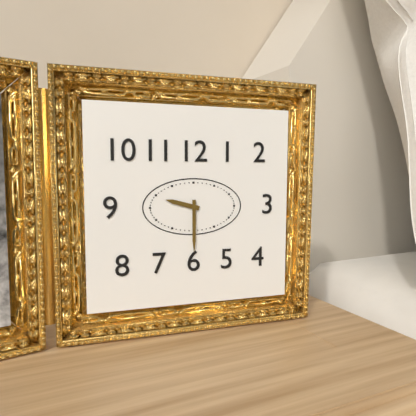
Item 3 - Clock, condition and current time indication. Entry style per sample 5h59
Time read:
9h30
